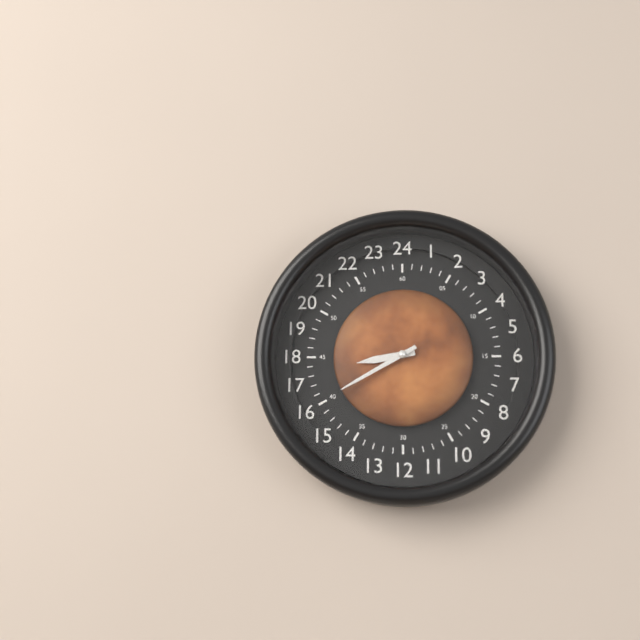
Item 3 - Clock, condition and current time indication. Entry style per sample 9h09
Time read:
8h40
